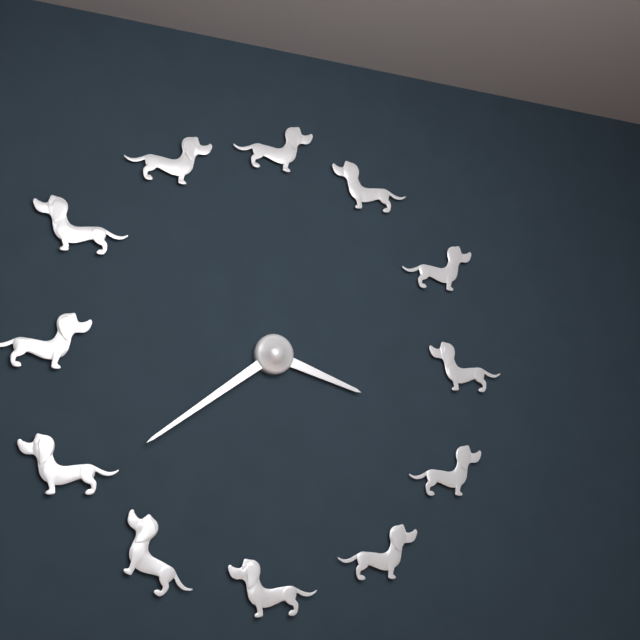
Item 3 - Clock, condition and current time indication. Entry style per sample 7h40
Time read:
3h39
